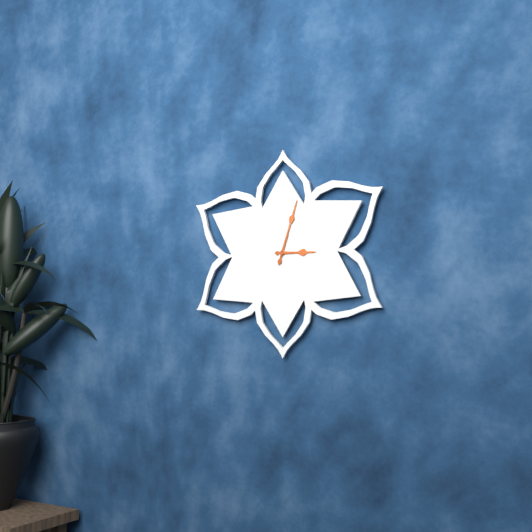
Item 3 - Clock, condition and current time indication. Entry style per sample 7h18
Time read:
3h03
